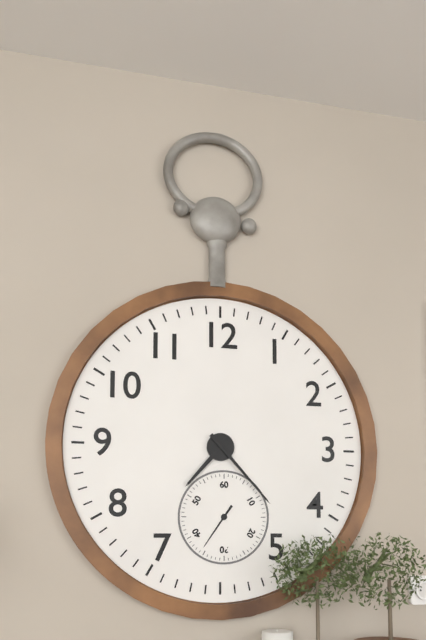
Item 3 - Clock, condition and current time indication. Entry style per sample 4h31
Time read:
7h23
